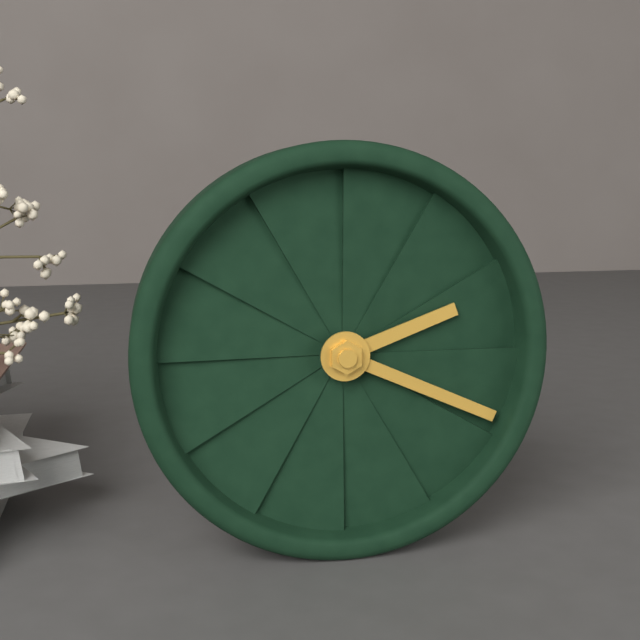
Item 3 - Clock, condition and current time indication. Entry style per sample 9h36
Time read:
2h19
